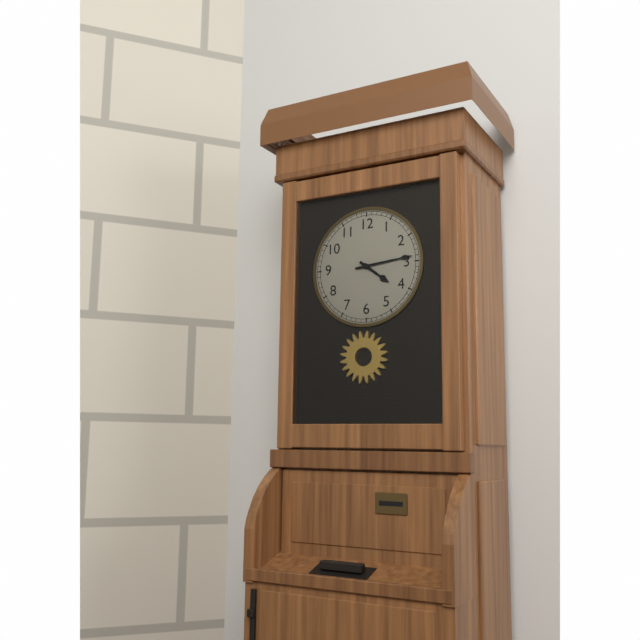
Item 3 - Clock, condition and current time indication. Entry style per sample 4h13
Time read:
4h14
